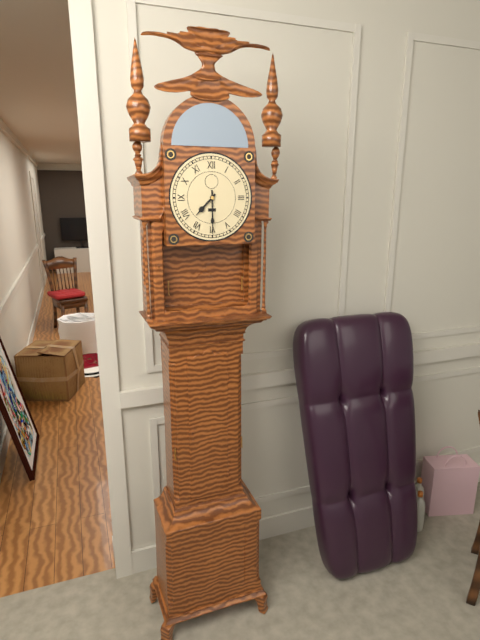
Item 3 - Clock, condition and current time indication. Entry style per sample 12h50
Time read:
7h30
